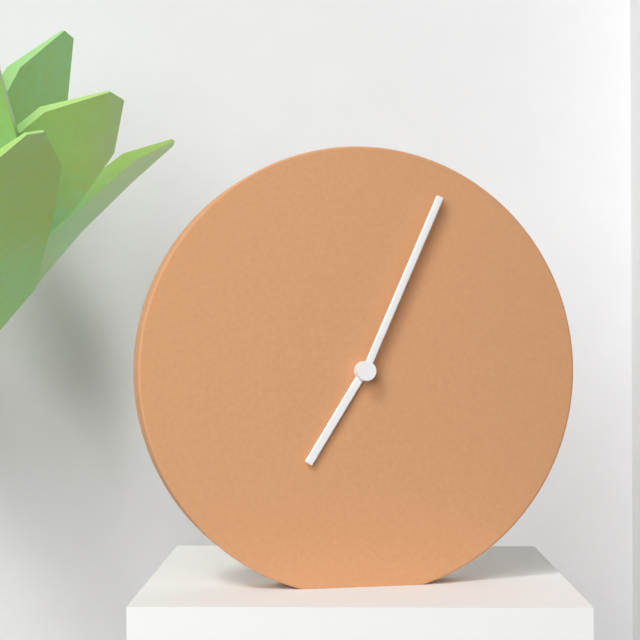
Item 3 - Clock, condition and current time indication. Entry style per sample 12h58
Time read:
7h04
